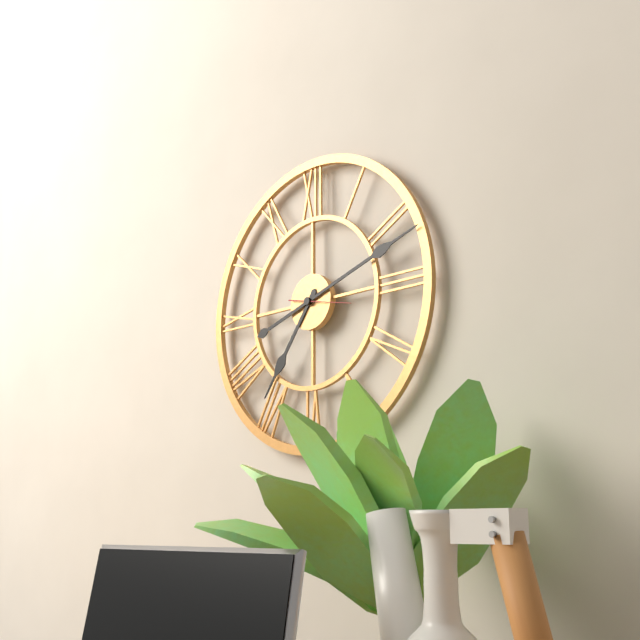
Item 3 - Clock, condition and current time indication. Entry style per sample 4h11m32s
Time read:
7h12m17s
